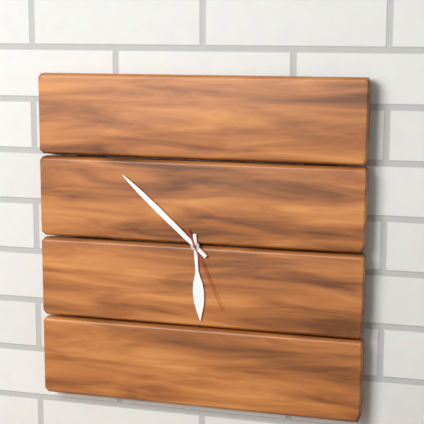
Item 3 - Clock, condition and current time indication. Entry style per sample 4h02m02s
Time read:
5h52m26s
